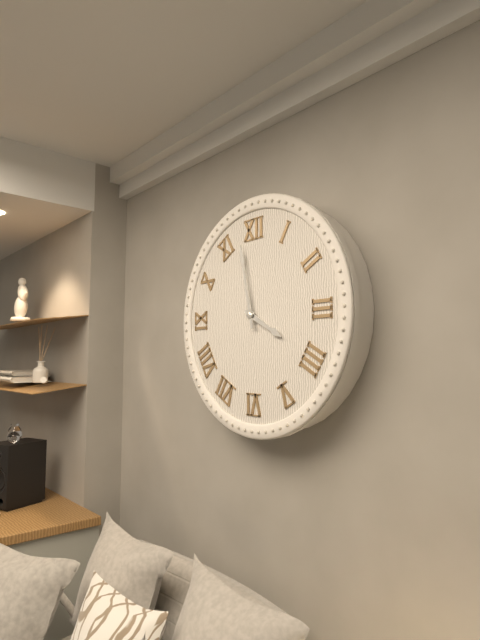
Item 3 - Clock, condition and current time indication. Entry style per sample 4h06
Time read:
3h58
